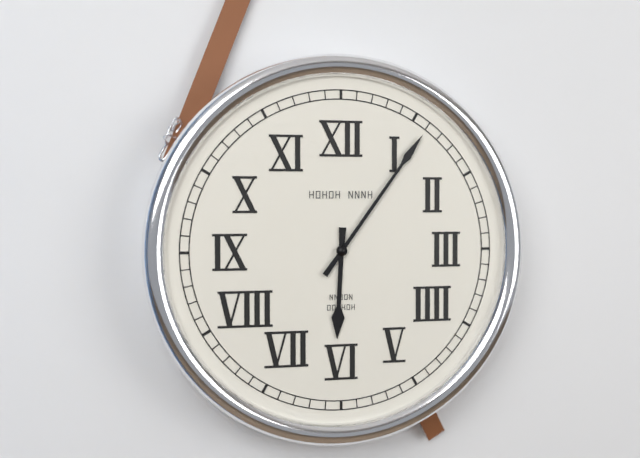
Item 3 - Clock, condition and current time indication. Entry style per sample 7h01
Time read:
6h06
